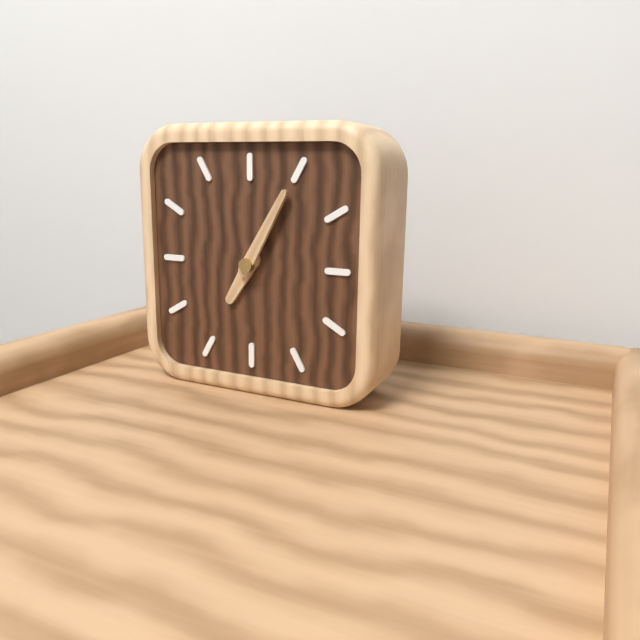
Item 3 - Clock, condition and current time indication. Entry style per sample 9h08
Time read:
7h05
